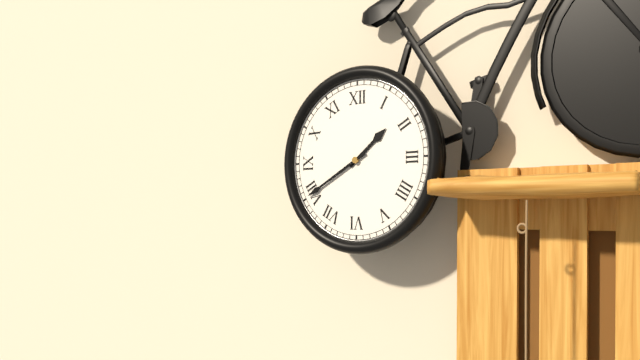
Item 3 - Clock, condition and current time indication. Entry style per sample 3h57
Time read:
1h40
